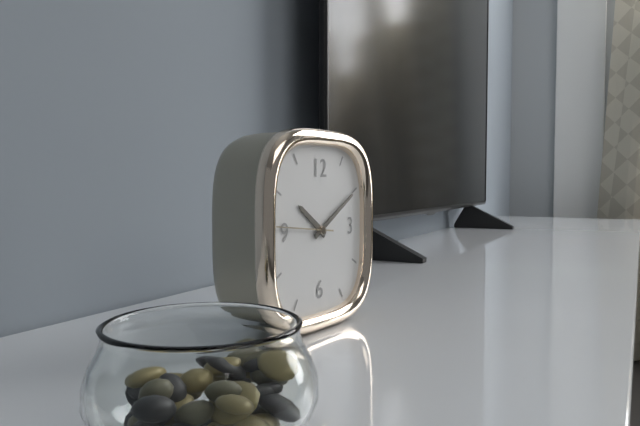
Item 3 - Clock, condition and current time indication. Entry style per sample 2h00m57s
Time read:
10h10m46s
